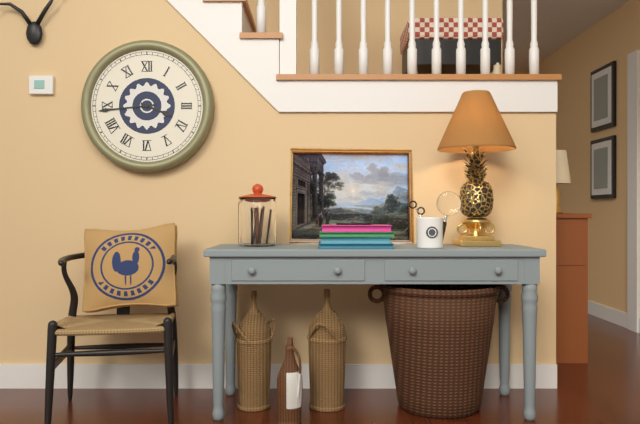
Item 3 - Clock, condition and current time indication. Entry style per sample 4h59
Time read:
3h44
